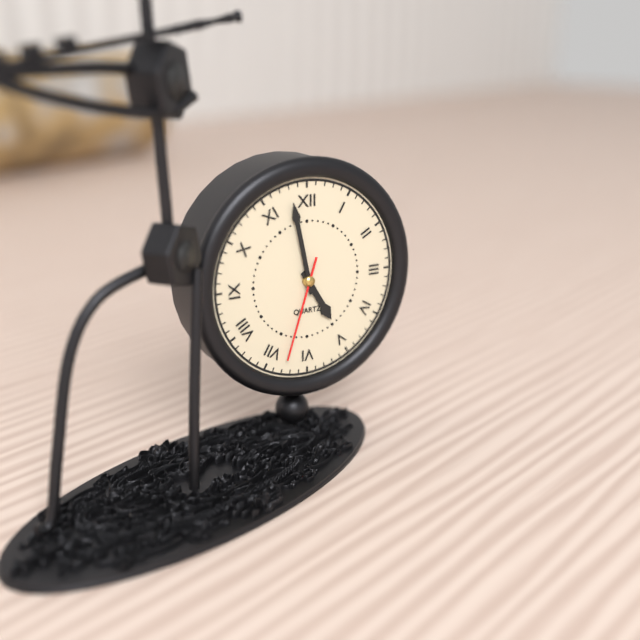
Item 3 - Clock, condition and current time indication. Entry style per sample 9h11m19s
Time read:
4h58m33s
